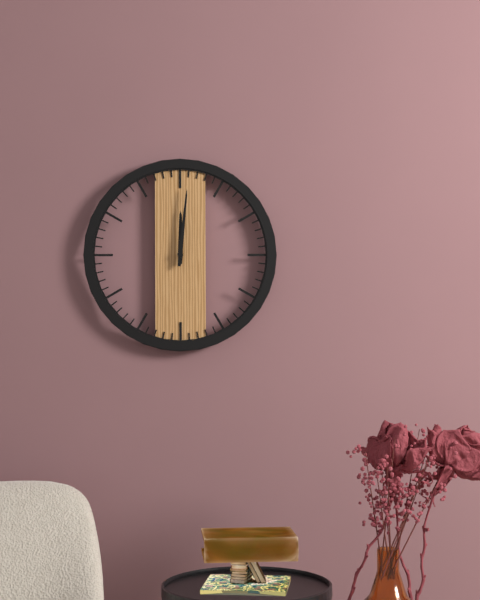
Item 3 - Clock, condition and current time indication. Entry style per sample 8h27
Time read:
12h01
